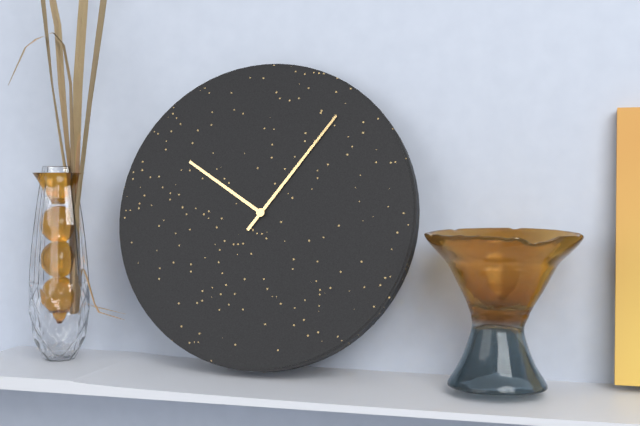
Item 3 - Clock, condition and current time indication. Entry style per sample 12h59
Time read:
10h06
